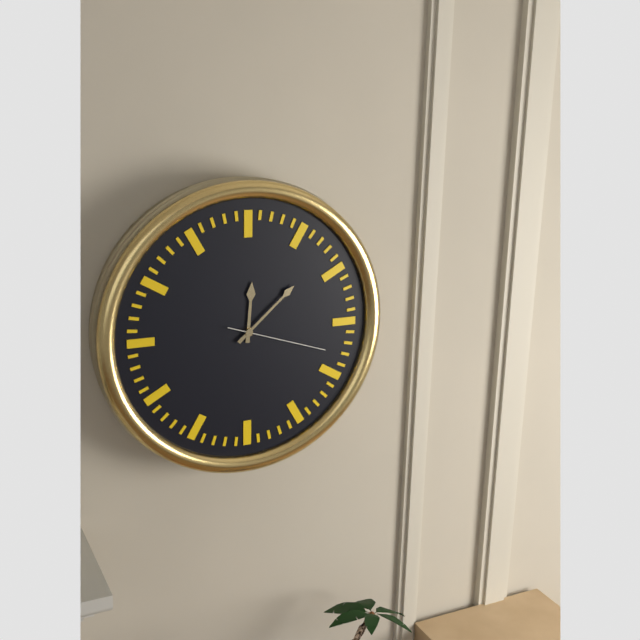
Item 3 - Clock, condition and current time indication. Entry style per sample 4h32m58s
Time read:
12h08m18s
